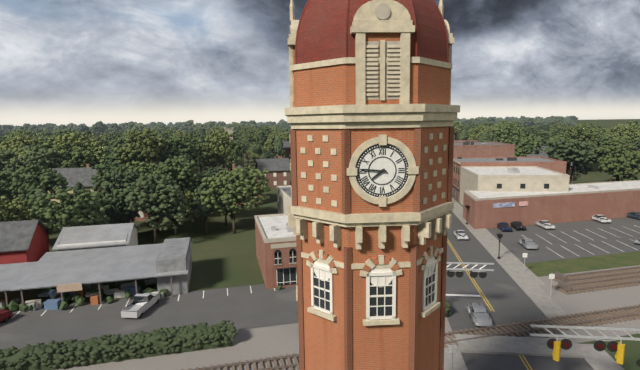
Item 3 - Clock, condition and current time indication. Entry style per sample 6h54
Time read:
7h46
